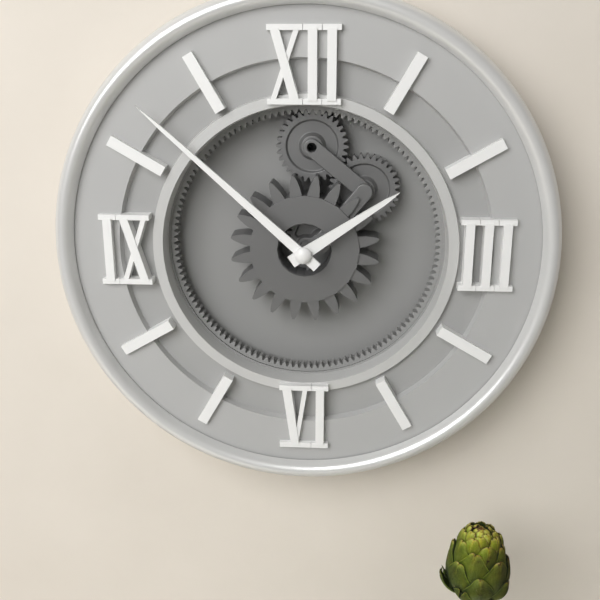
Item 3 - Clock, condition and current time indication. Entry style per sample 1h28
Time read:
1h52
